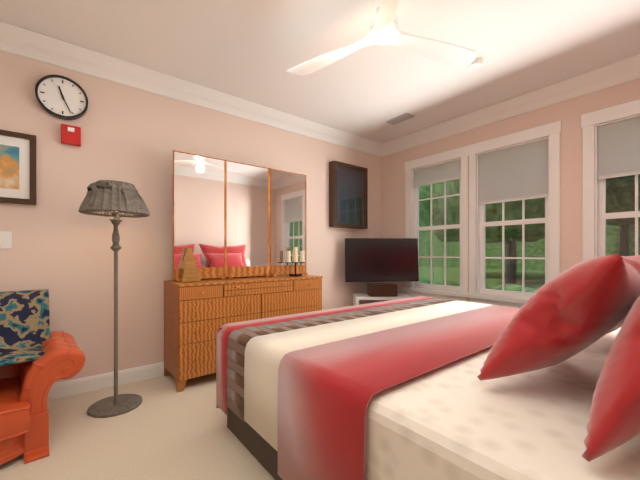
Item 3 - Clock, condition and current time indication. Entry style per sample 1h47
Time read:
11h26
